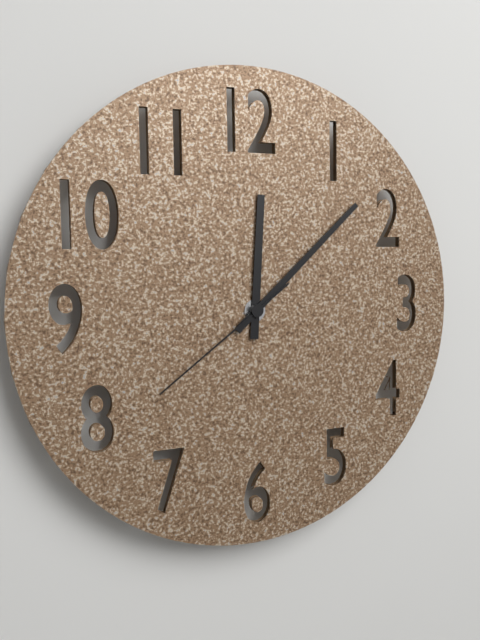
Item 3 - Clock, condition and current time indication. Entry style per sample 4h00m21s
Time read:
12h08m39s
